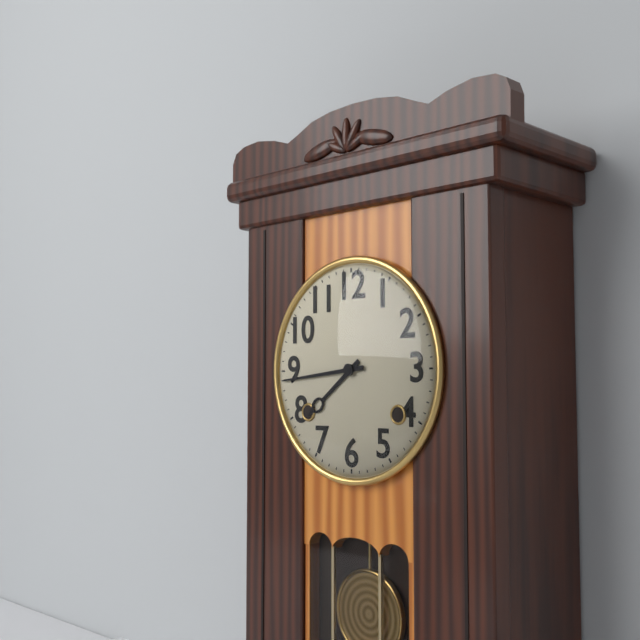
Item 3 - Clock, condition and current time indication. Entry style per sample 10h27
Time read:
7h44
